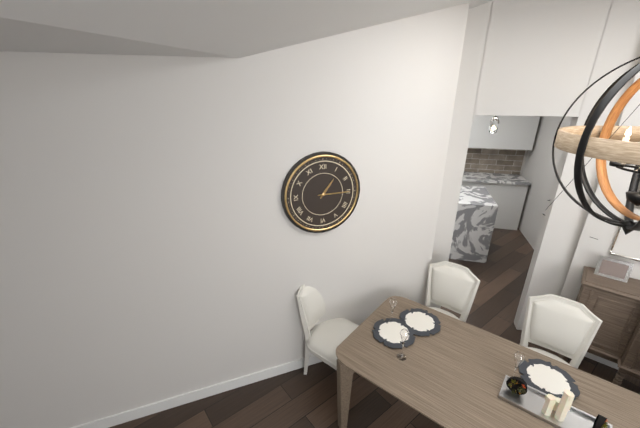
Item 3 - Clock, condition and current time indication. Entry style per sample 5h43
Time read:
1h15
